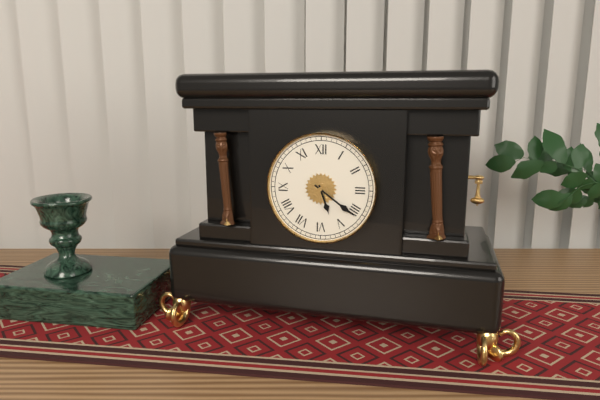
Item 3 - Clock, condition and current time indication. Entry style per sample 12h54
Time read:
5h21
